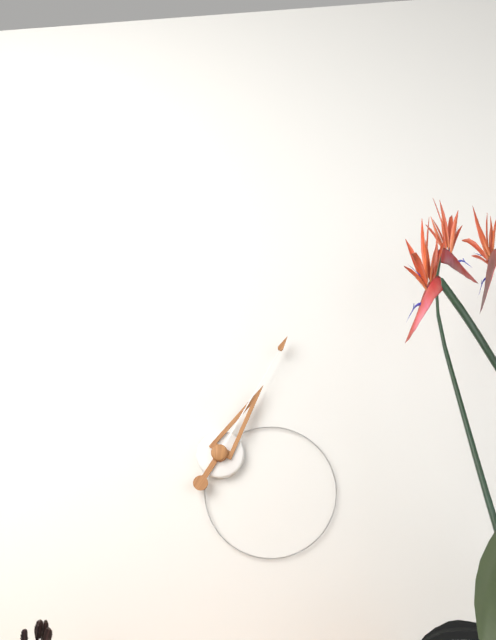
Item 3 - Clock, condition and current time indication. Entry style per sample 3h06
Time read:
1h05
